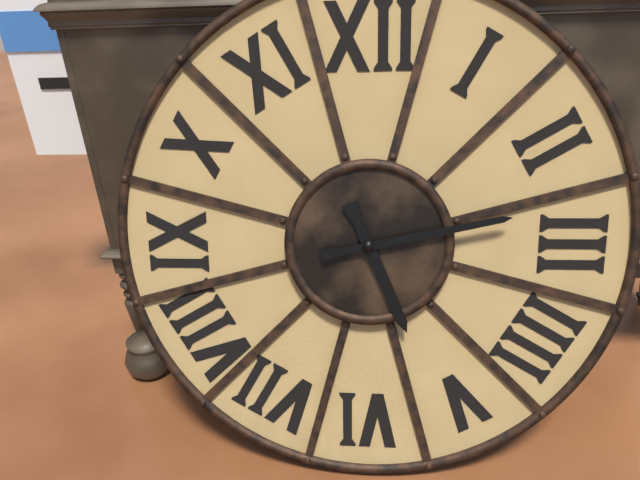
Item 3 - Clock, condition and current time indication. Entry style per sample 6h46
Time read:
5h13
